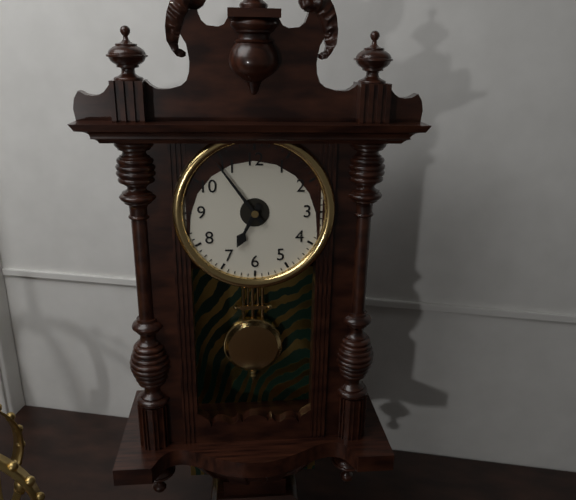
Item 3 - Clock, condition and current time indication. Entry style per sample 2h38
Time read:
6h54
